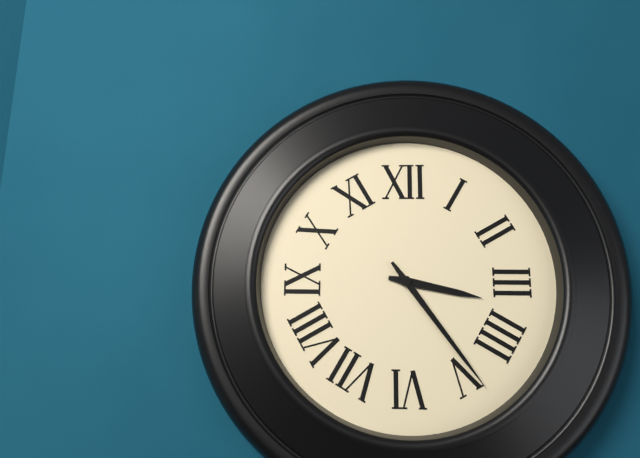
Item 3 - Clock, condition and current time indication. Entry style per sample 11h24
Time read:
3h24
